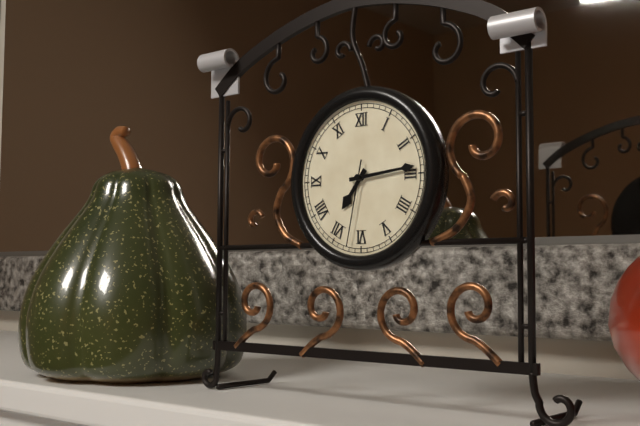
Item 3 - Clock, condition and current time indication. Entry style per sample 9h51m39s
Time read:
7h14m32s
